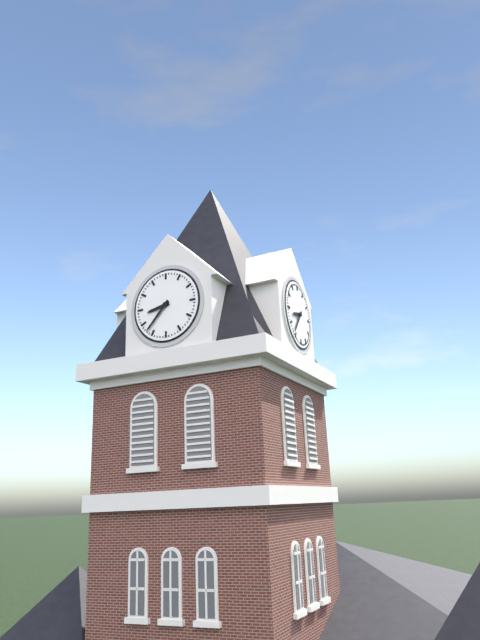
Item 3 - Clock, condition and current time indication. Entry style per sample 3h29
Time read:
8h37
